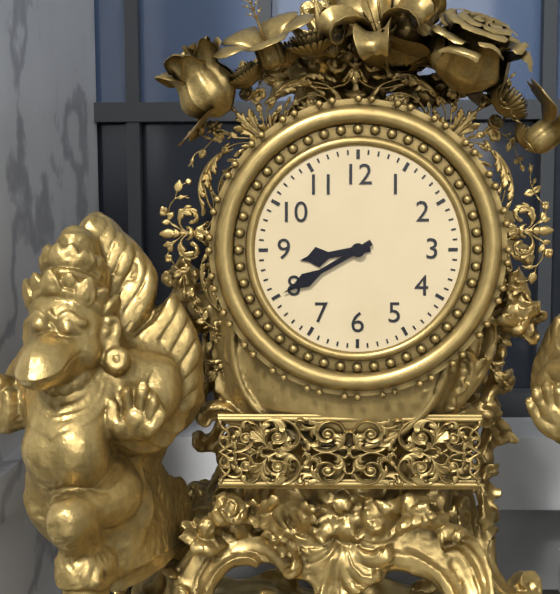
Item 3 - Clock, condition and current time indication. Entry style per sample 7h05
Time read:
8h40
